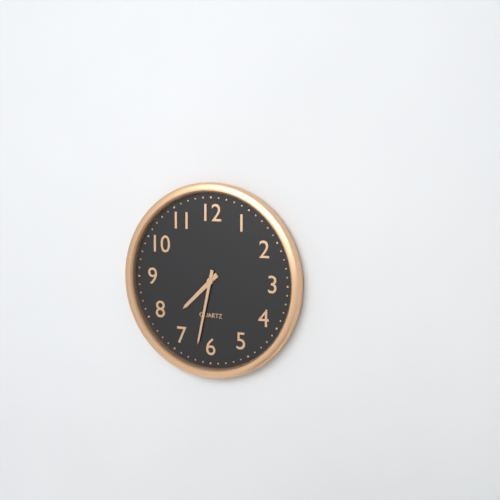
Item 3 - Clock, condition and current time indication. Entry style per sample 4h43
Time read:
7h32
